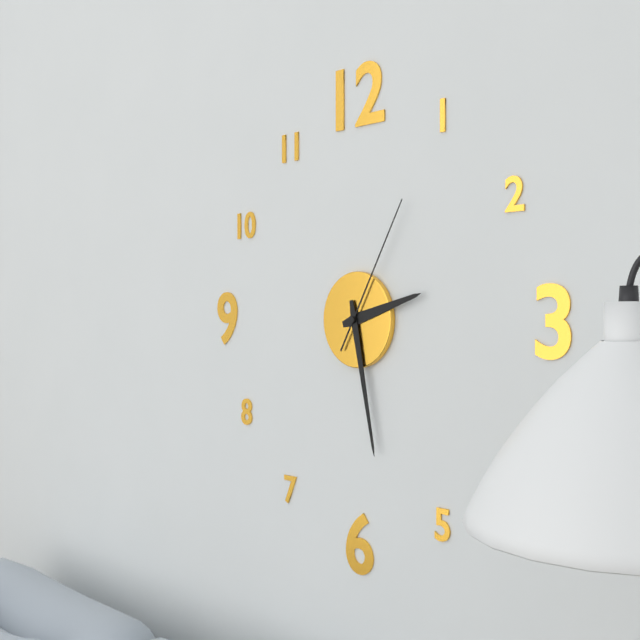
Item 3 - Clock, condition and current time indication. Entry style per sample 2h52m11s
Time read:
2h28m05s
